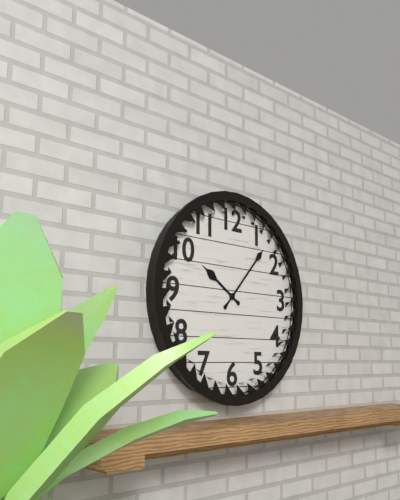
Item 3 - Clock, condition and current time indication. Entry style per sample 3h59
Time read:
10h07
